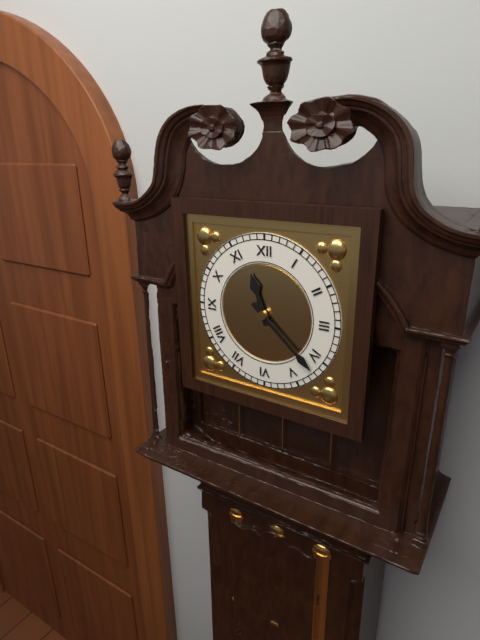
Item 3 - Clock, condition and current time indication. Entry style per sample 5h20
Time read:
11h22
